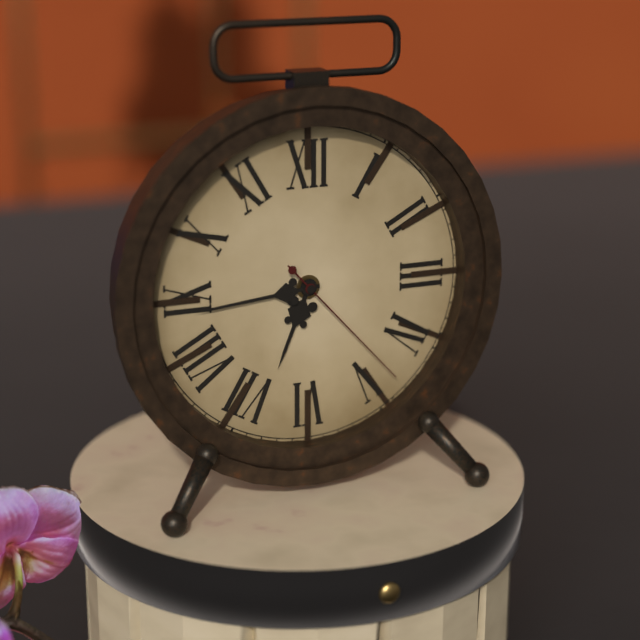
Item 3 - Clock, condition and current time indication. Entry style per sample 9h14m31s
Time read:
6h44m23s
